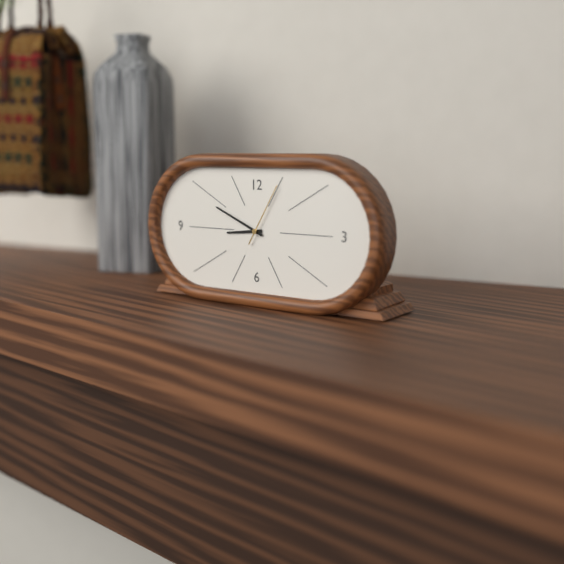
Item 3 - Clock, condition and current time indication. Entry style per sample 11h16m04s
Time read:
8h49m05s
